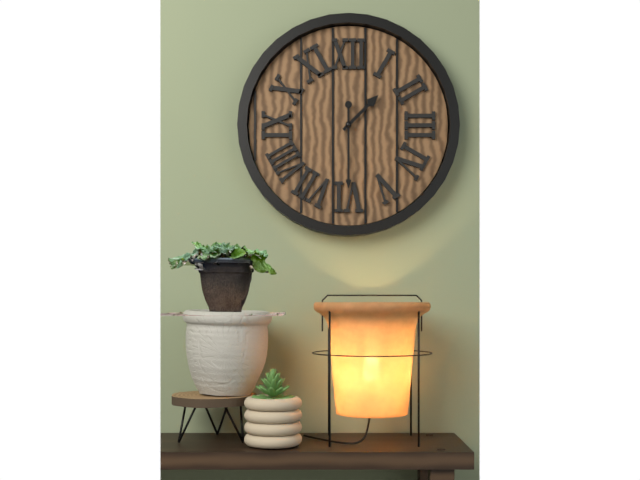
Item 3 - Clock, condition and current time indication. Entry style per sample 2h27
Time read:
1h30
